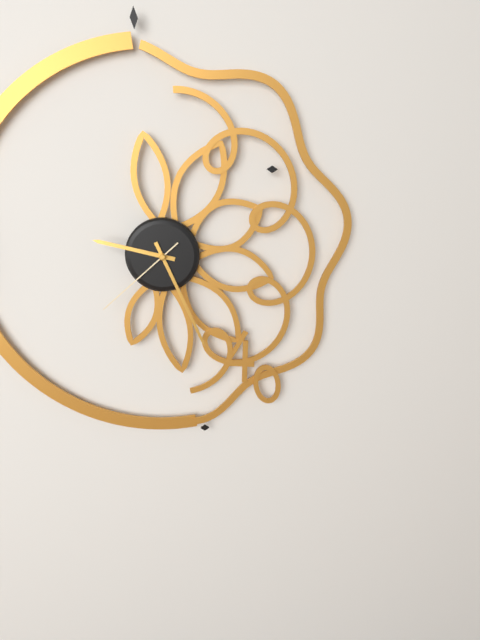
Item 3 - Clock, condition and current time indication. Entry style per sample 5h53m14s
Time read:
9h26m38s
